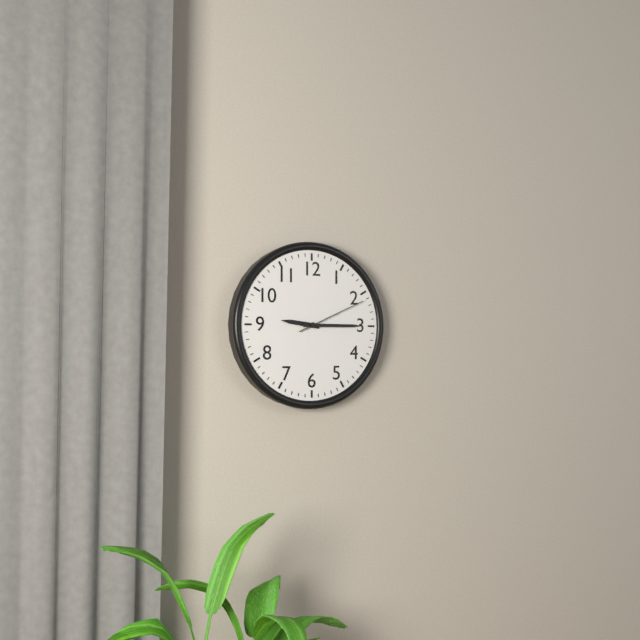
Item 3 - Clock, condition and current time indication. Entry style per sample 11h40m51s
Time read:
9h15m11s
